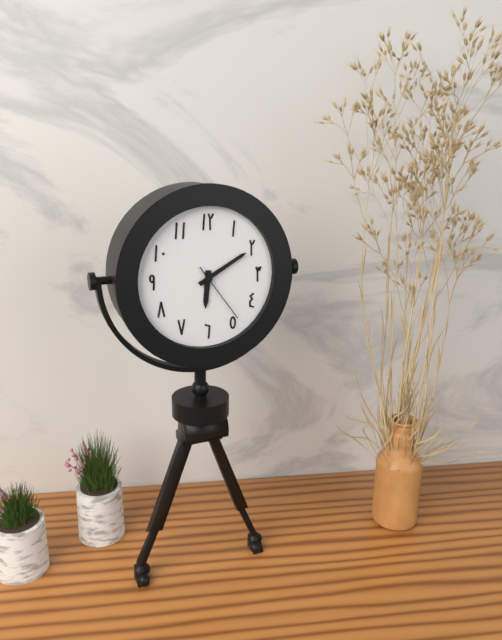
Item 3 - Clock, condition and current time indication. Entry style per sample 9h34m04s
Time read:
6h10m24s
